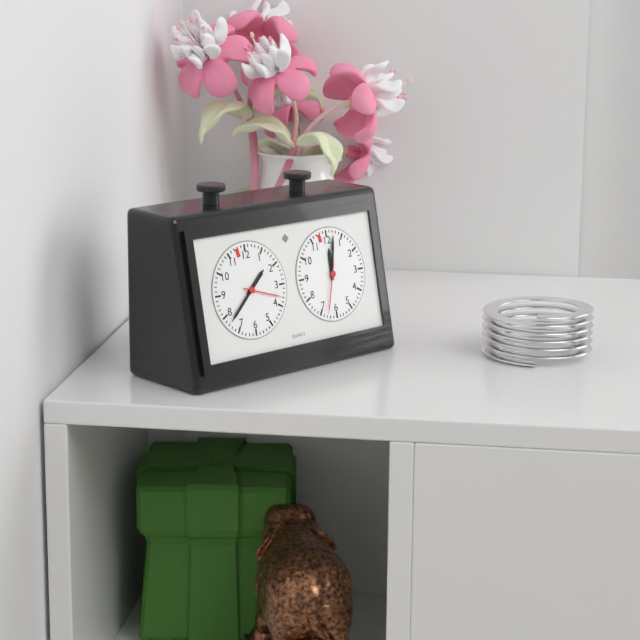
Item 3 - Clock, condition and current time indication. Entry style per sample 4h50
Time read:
1h38
